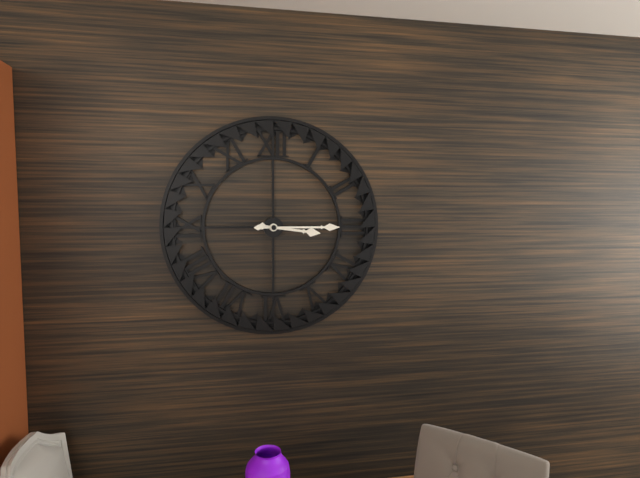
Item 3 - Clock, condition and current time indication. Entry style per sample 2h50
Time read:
3h15
